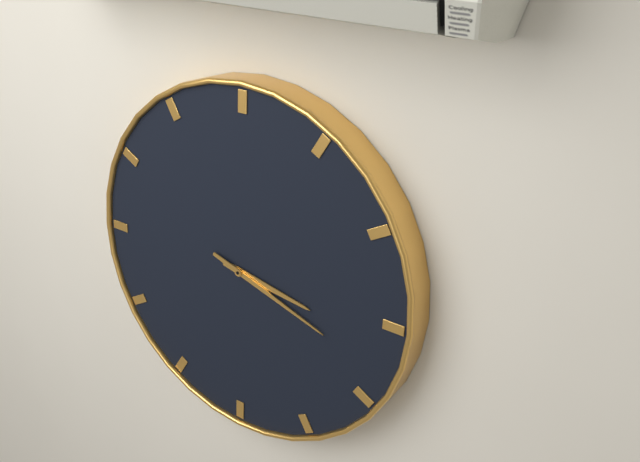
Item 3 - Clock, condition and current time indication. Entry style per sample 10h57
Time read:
3h18
